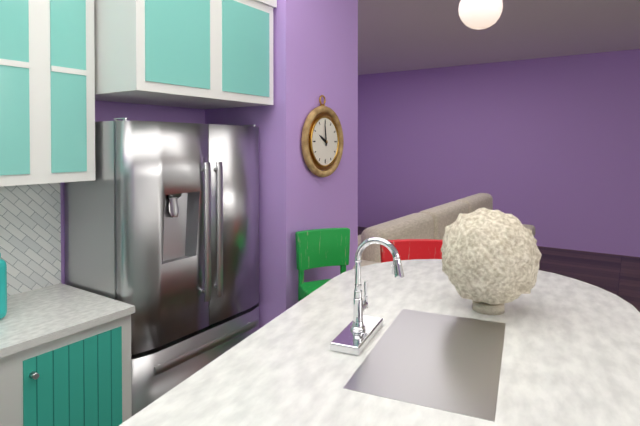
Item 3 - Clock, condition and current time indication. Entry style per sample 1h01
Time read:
9h59
